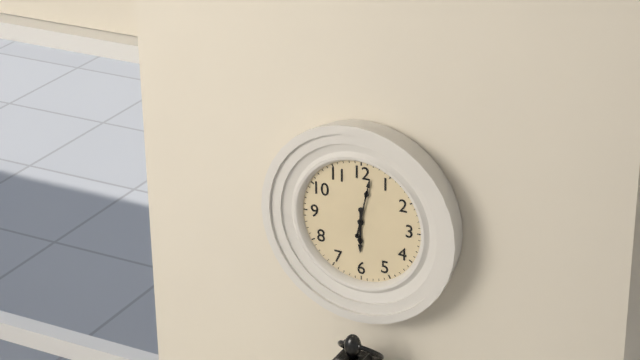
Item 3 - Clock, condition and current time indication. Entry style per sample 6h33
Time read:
6h02
